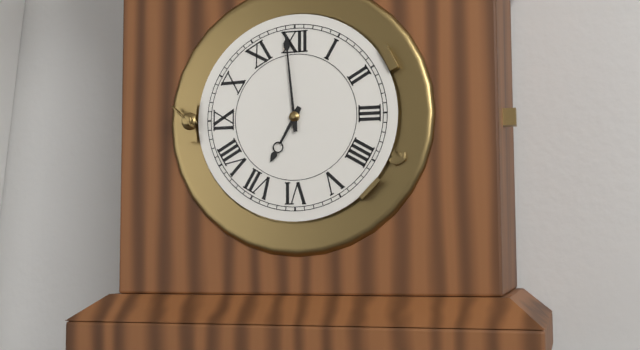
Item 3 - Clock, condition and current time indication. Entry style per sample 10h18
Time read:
6h59
